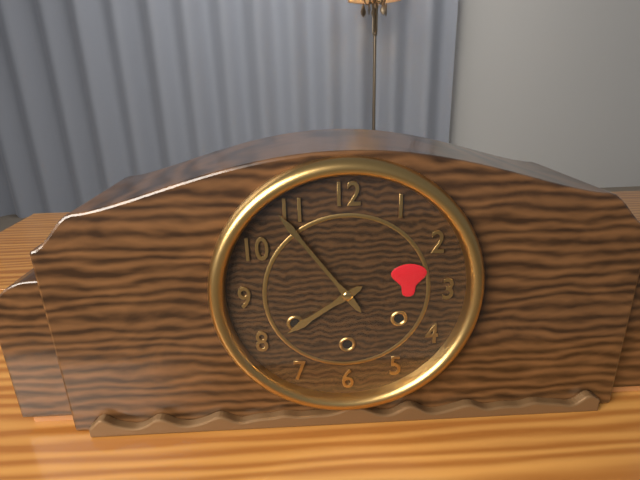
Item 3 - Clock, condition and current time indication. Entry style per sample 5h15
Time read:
7h54
